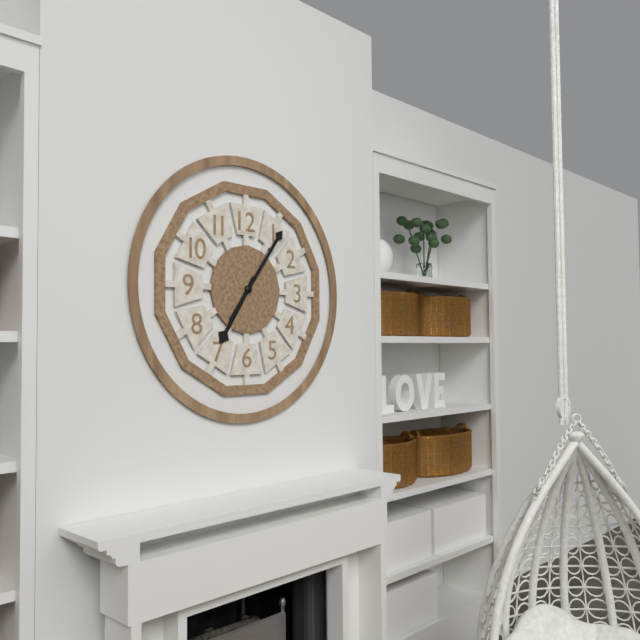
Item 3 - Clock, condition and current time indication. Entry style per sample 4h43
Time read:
7h06
